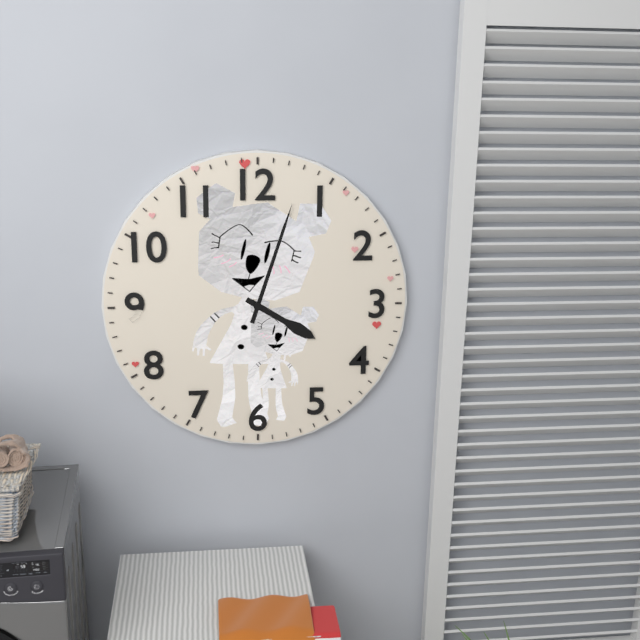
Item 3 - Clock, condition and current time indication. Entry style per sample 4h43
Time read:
4h03
